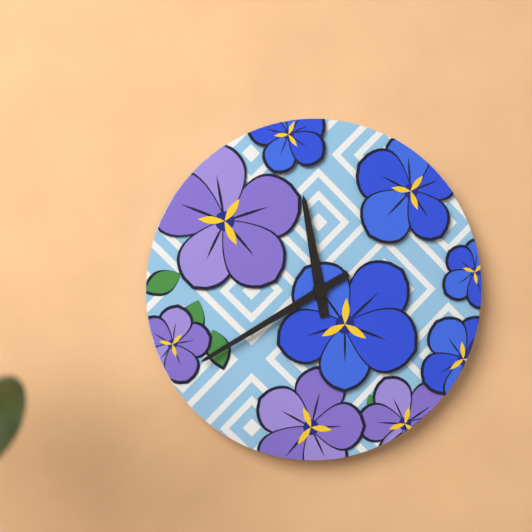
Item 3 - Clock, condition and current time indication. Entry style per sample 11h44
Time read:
11h40
